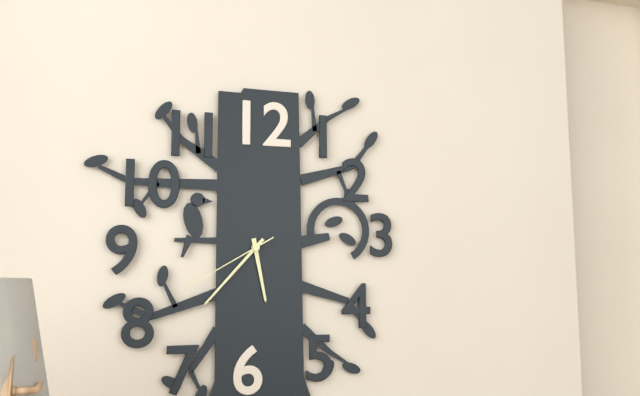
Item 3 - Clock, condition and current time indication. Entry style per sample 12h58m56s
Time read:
5h37m40s
